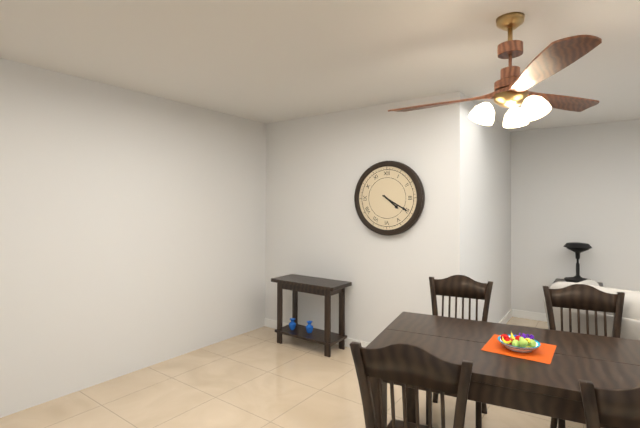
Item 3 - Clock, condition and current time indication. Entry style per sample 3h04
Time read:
4h20
